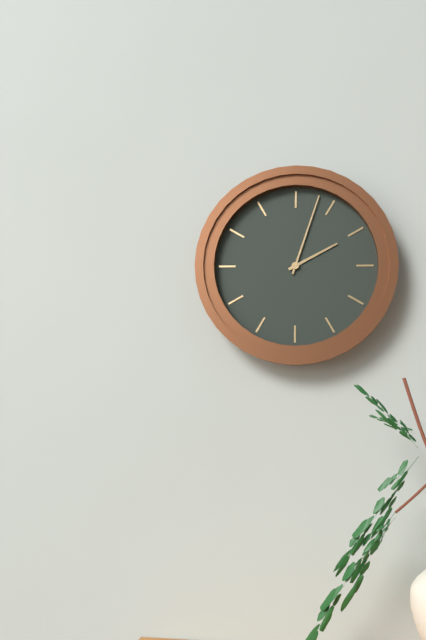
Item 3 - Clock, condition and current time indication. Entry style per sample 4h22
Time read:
2h03
